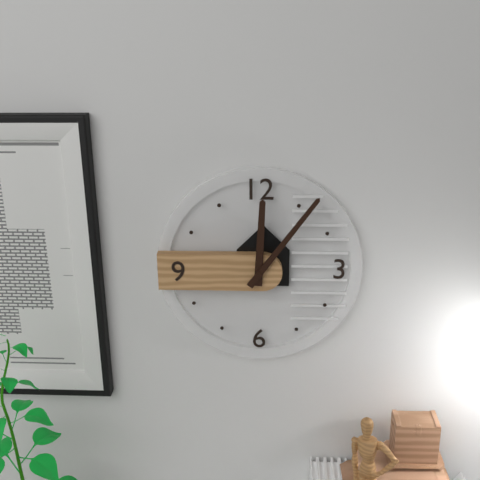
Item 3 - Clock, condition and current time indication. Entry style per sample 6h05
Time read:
12h06
